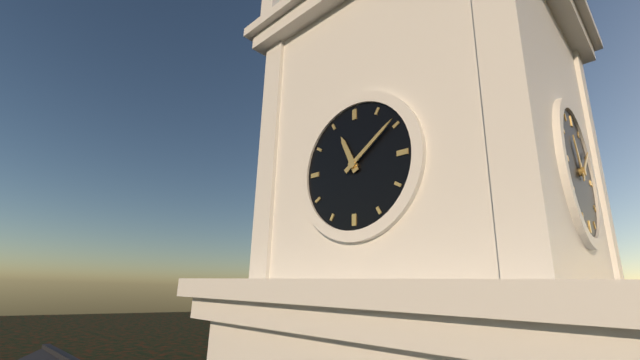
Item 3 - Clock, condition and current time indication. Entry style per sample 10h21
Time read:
11h09
